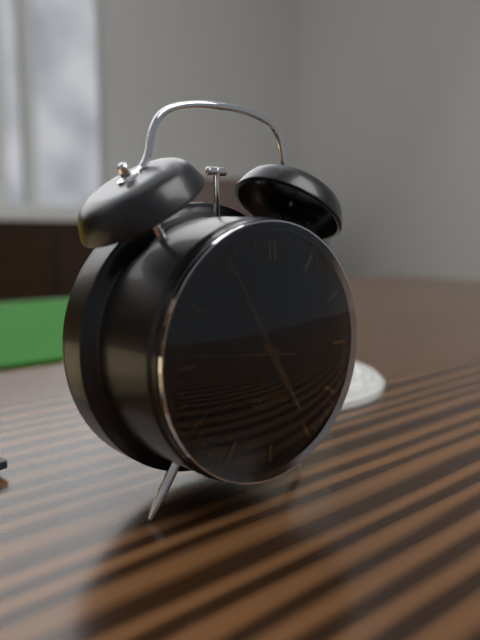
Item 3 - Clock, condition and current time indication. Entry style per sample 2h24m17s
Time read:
4h55m46s
